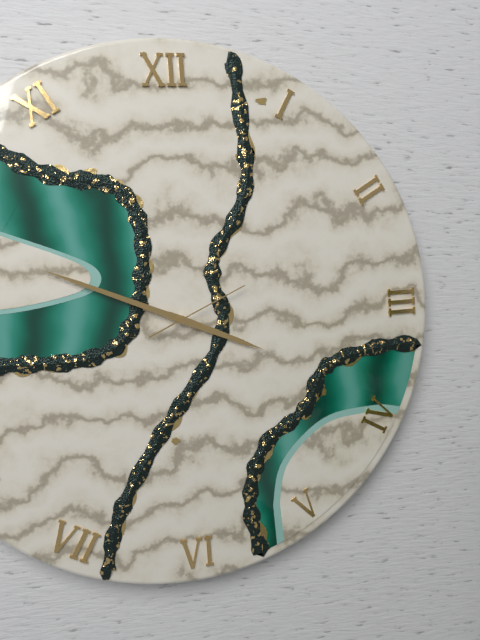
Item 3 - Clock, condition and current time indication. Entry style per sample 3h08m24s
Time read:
3h49m11s
